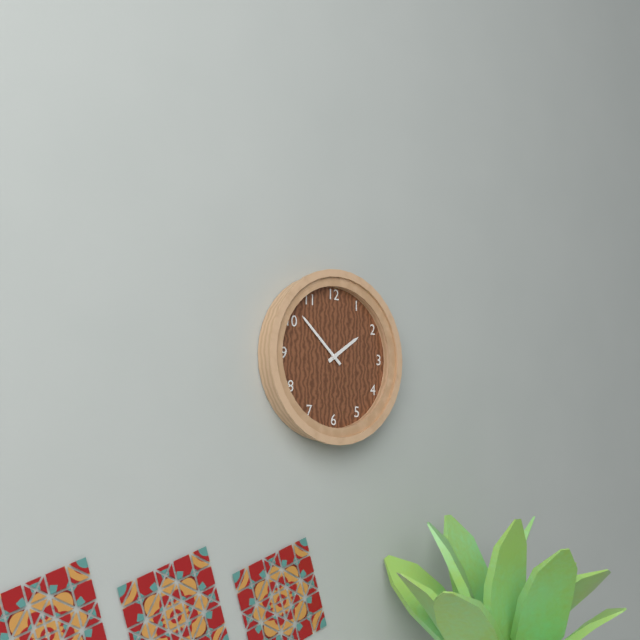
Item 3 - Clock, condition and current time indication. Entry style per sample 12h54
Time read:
1h52
